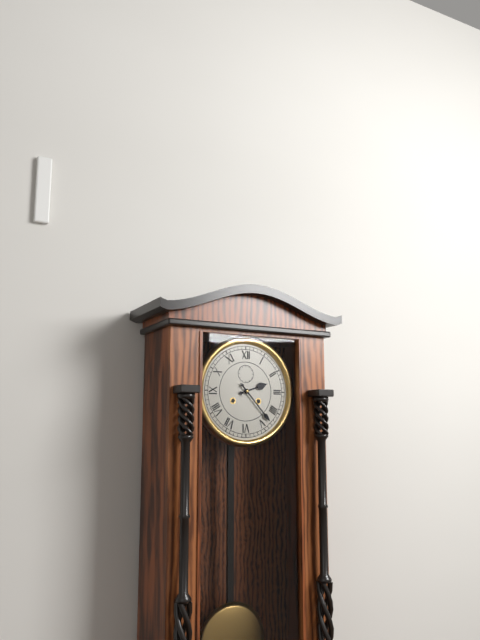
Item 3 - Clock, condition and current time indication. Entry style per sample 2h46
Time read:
2h23
